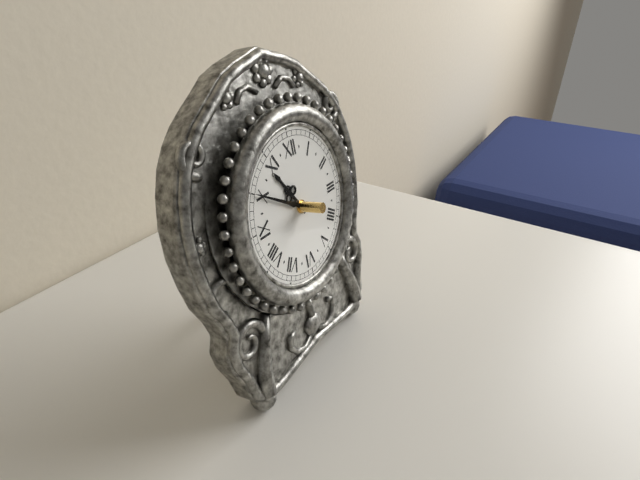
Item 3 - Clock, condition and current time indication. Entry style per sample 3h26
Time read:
10h50
